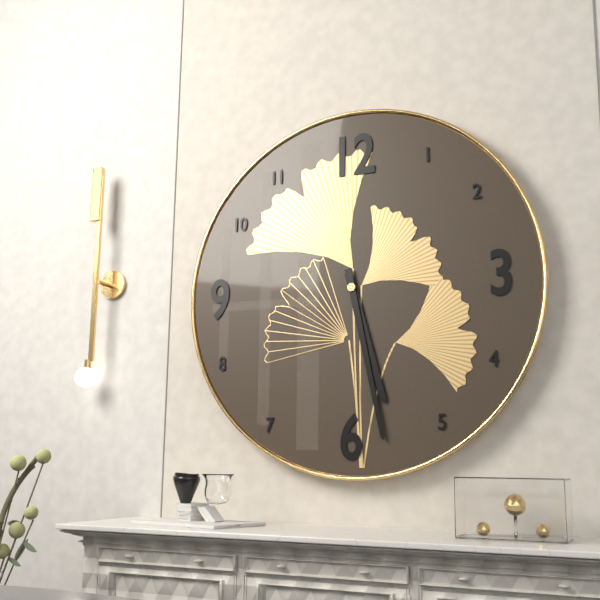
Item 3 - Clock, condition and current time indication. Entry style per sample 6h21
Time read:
5h28
